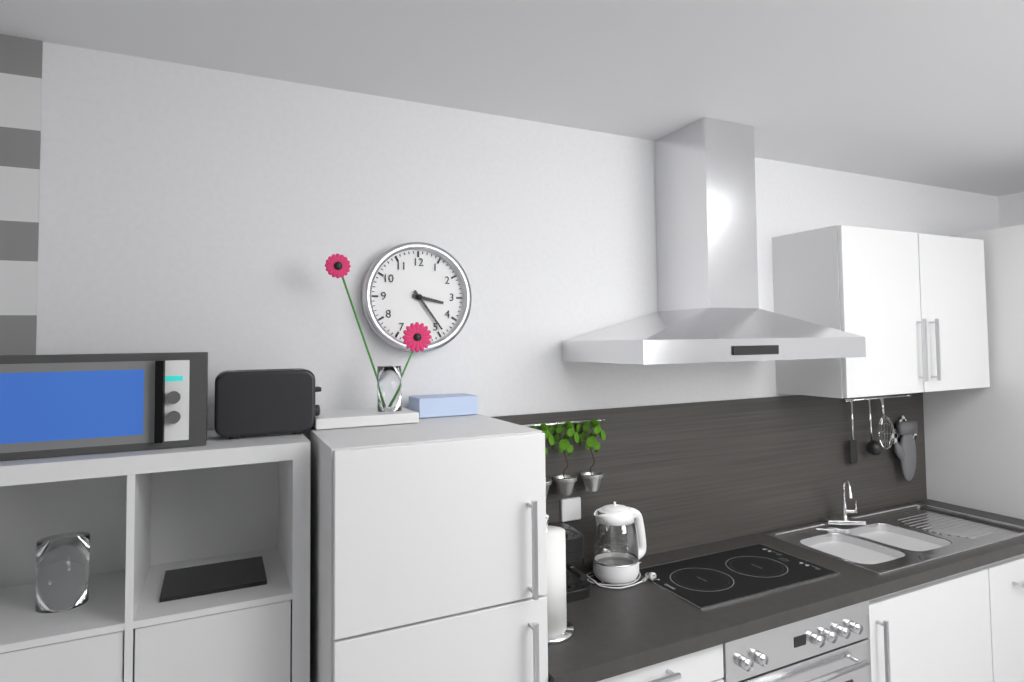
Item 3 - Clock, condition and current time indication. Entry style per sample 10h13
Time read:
3h24
